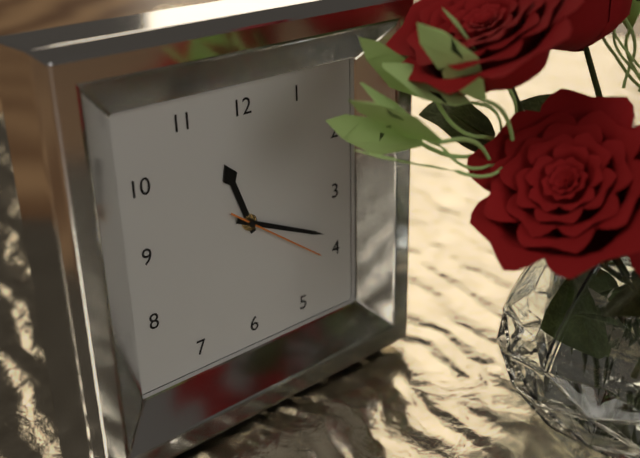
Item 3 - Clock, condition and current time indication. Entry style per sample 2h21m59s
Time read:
11h19m21s
